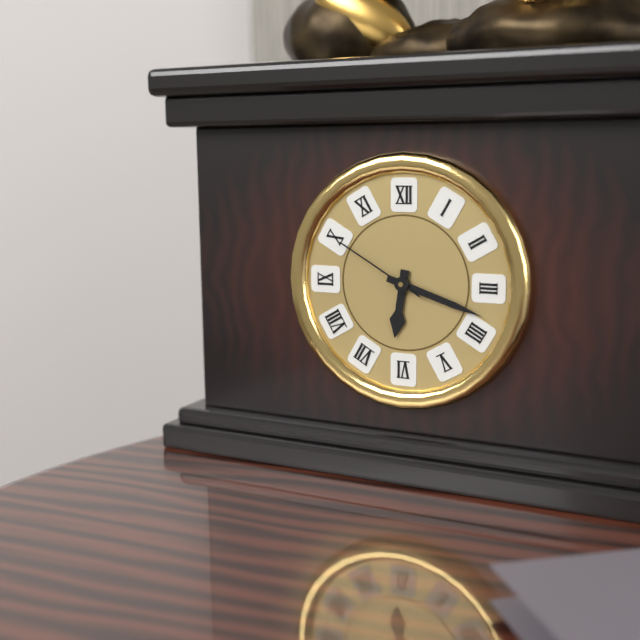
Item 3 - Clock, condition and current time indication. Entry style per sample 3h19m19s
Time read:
6h18m50s
